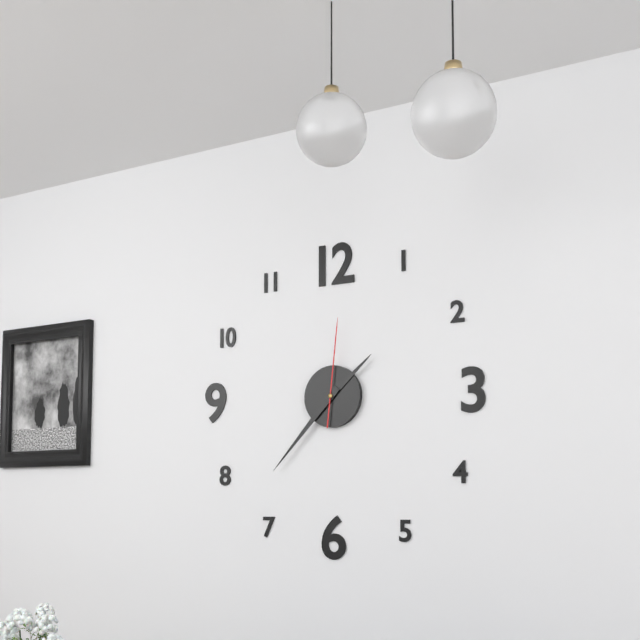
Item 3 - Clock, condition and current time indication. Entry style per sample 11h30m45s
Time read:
1h37m01s
